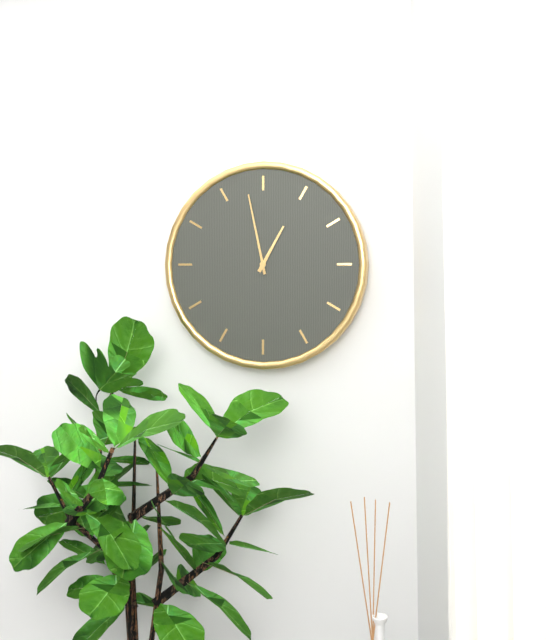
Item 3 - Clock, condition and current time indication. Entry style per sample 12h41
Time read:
12h58
